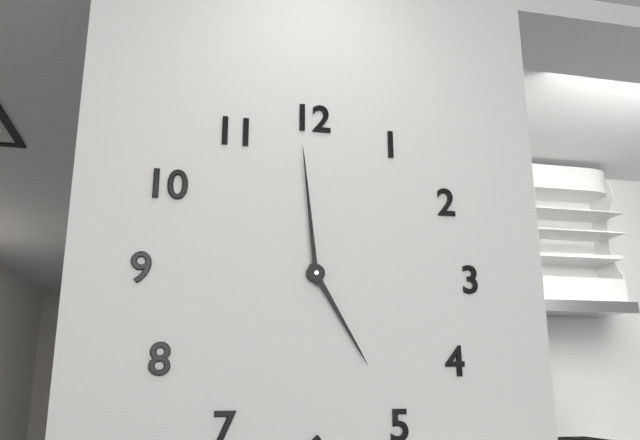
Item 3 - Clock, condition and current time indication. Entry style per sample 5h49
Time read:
4h59
